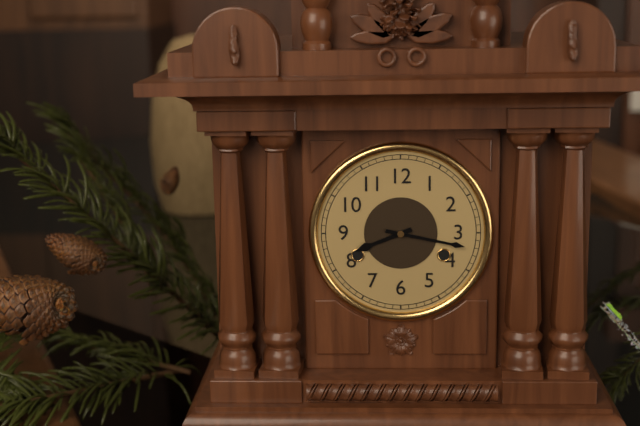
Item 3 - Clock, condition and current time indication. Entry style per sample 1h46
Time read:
8h17
